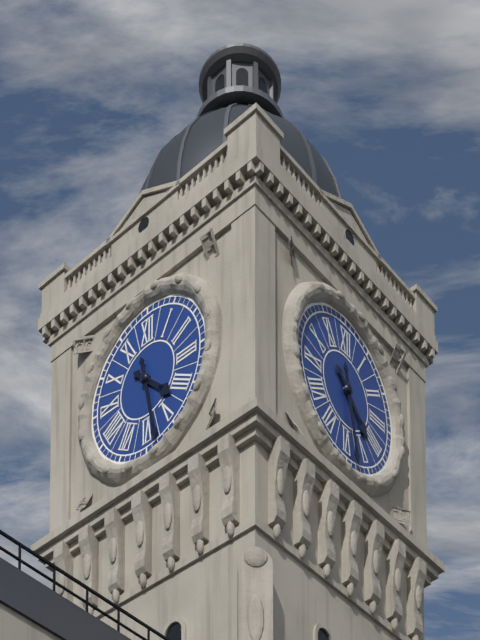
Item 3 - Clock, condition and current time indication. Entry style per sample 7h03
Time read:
4h28
